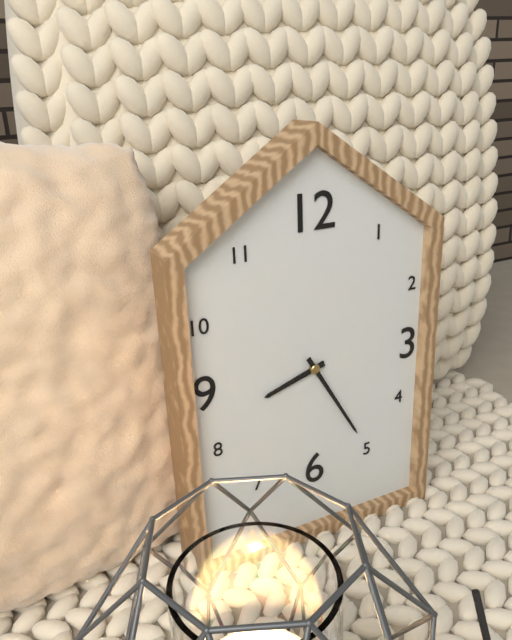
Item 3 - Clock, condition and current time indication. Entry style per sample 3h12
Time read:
8h25
